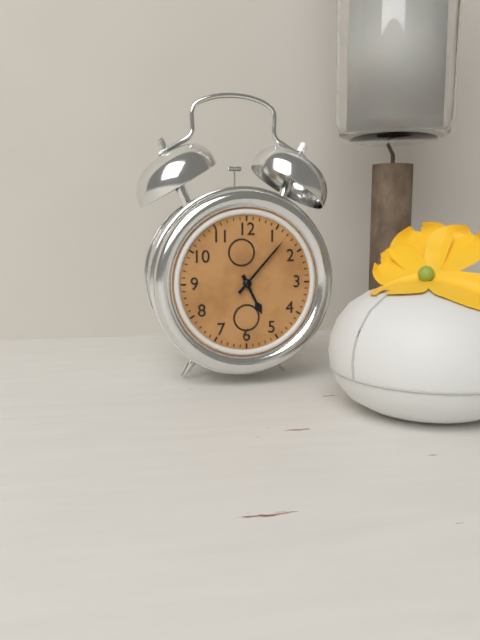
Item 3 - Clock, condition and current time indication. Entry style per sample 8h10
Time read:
5h07
